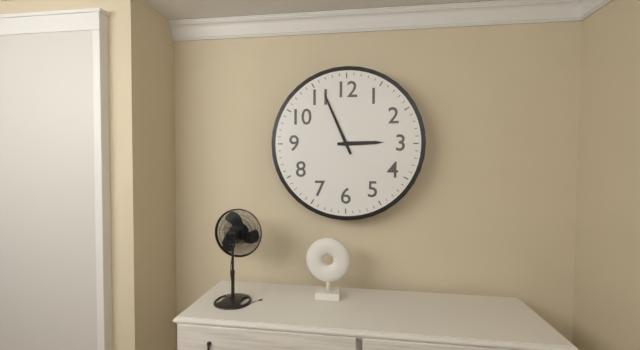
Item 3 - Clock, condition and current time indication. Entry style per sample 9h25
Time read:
2h56
